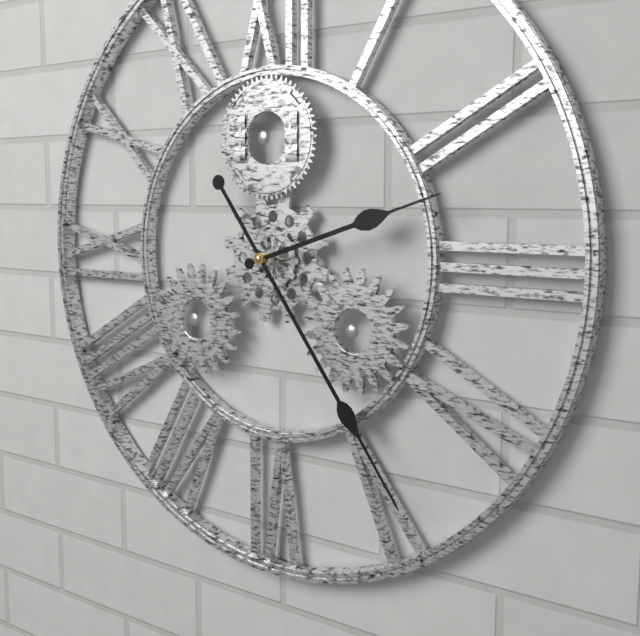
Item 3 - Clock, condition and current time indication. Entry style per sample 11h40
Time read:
2h24
